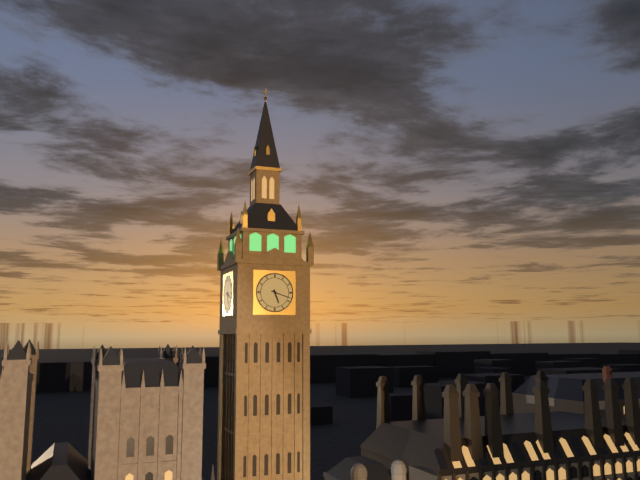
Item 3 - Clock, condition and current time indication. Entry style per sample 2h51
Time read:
5h18
